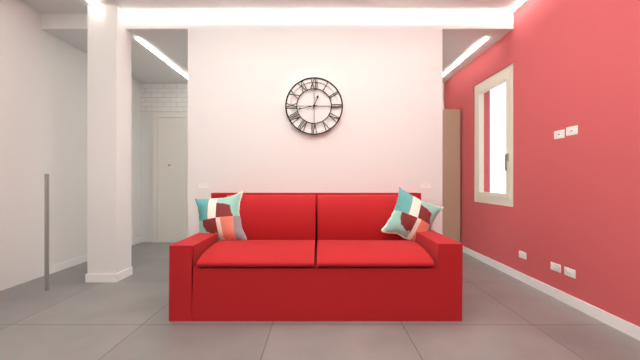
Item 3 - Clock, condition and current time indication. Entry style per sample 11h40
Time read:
12h43
